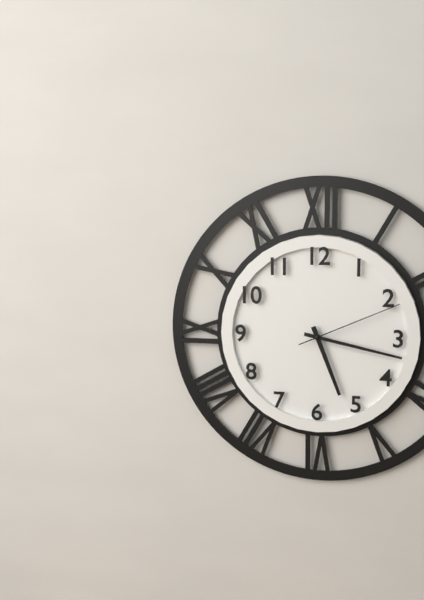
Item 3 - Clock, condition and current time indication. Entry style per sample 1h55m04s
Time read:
5h17m11s
